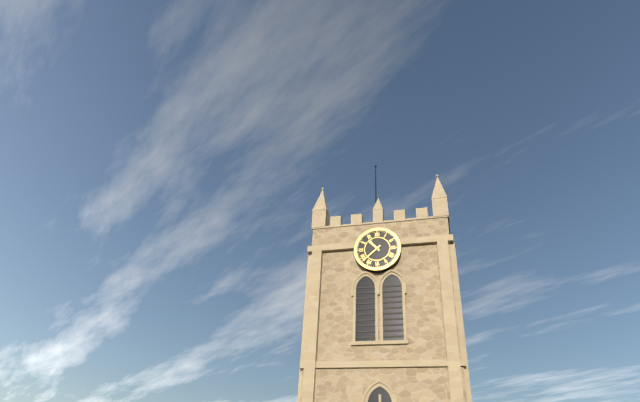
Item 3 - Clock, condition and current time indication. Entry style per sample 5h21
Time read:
10h38
